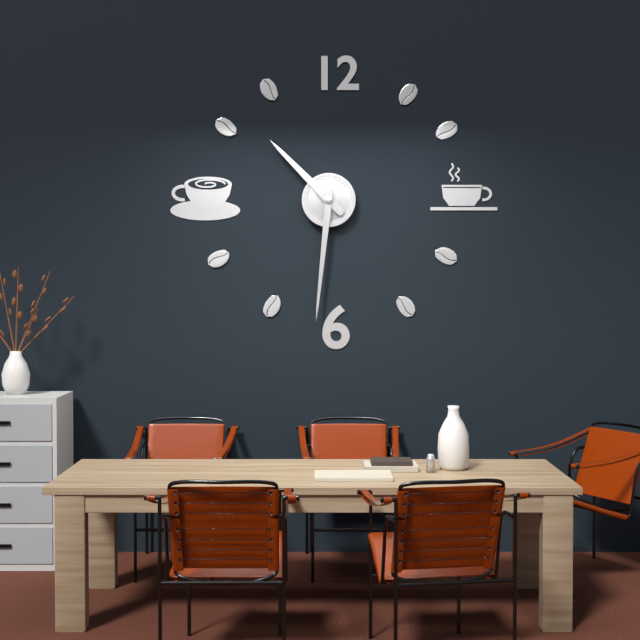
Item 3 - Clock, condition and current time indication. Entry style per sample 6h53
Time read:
10h31
